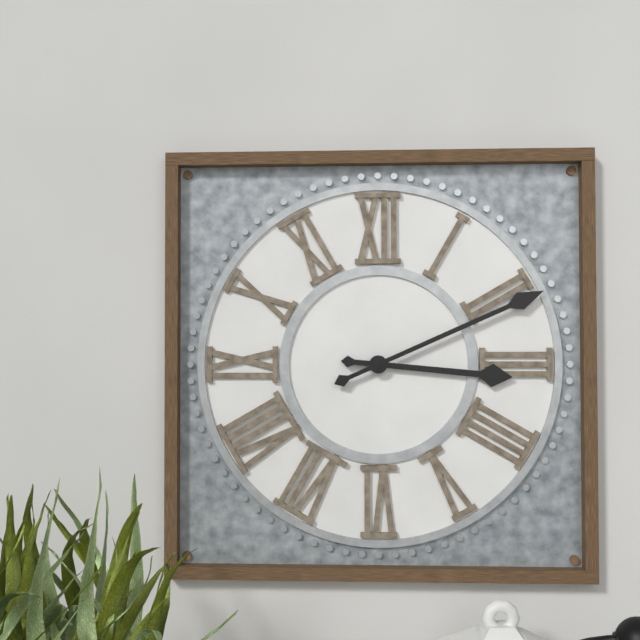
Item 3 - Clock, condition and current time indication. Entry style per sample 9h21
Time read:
3h11
